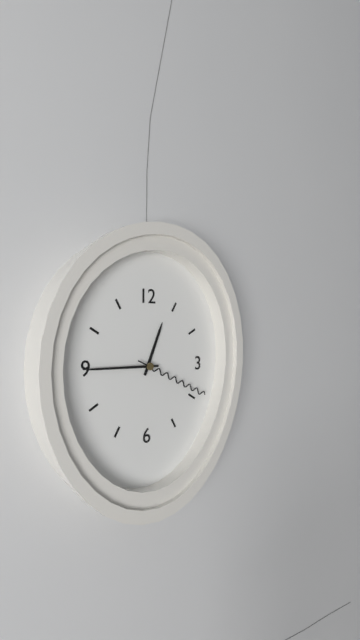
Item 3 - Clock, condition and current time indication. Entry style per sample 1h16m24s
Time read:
12h45m19s
